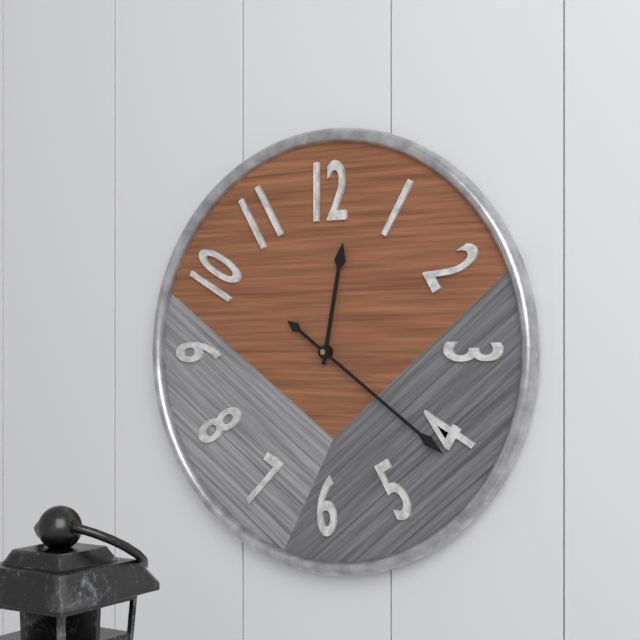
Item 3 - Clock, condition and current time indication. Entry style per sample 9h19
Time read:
12h21
